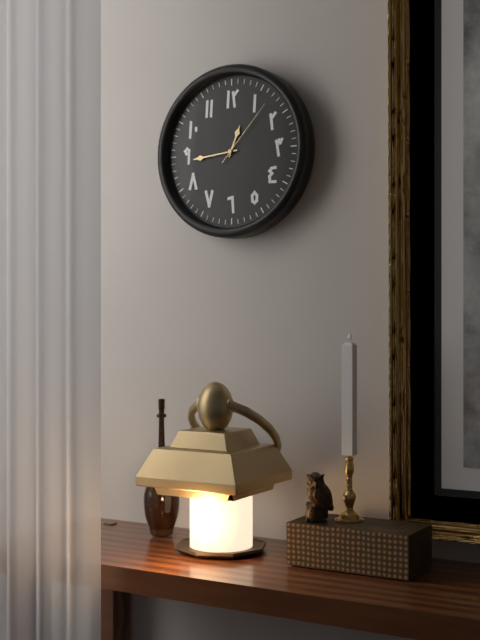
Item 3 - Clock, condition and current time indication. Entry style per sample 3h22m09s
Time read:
12h44m07s
